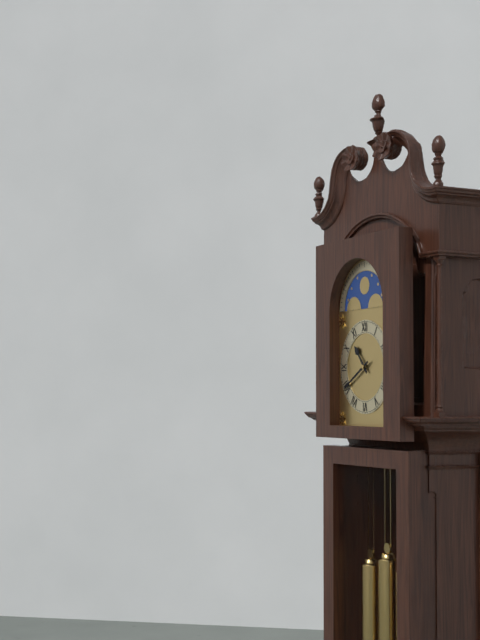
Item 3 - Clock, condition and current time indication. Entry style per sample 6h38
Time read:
10h40
